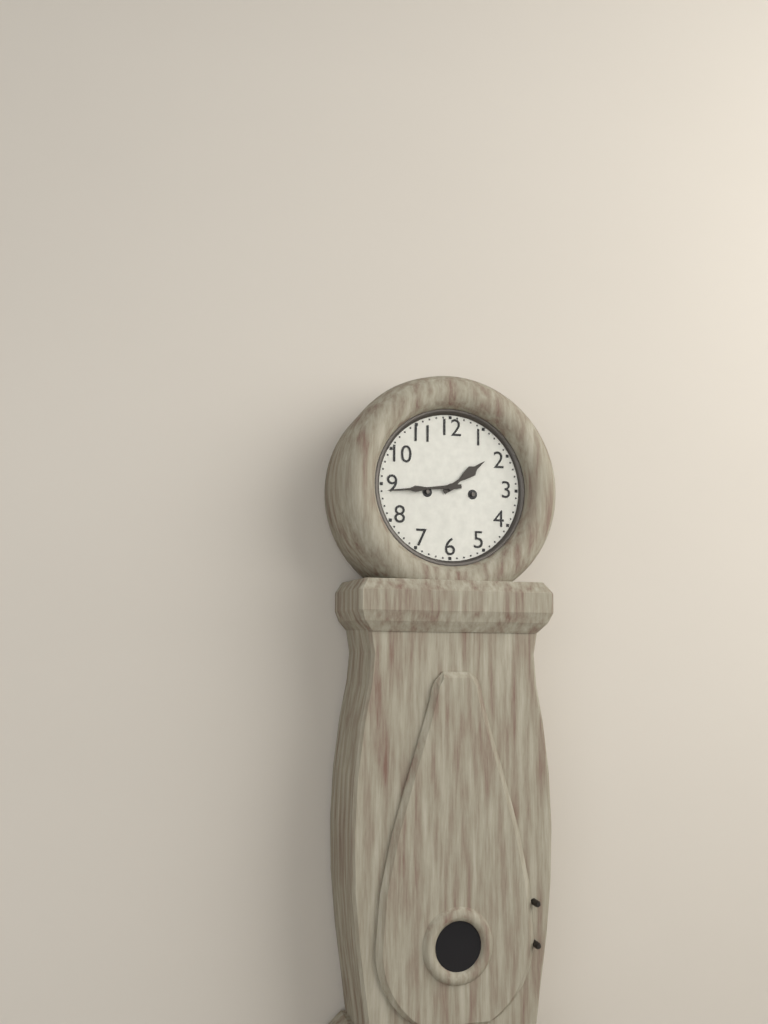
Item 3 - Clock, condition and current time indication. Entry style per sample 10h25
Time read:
1h44
